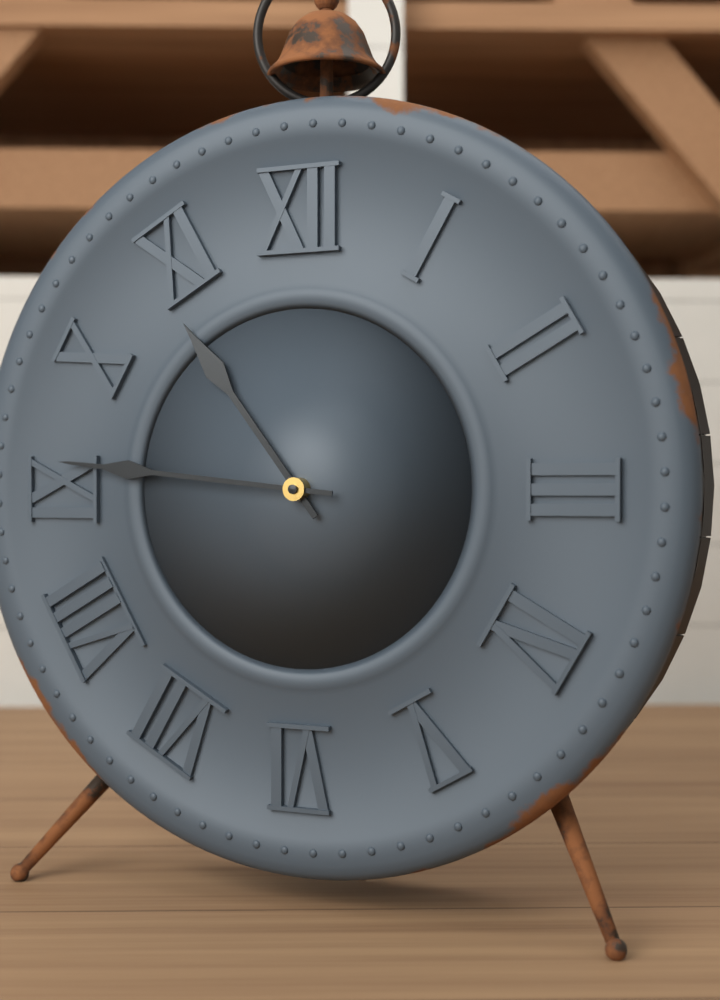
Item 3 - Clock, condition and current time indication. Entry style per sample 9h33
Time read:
10h46
